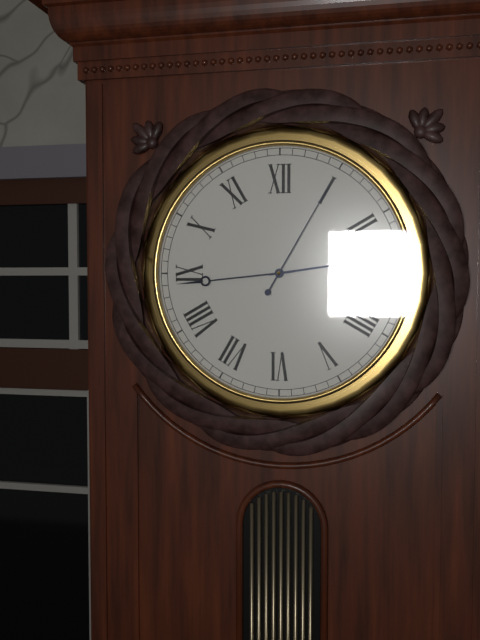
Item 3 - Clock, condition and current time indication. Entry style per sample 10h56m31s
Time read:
2h44m05s
